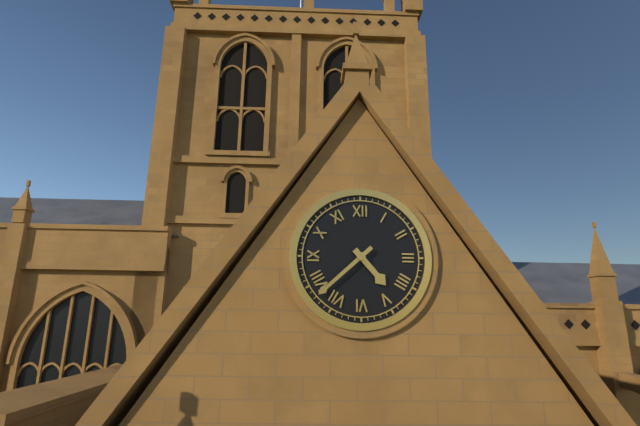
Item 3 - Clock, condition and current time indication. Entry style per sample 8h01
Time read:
4h38
